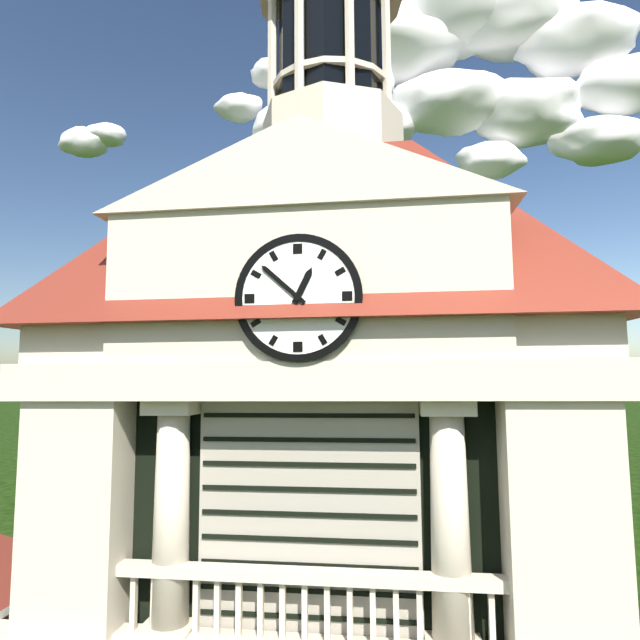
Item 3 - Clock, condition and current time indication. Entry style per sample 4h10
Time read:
12h52
